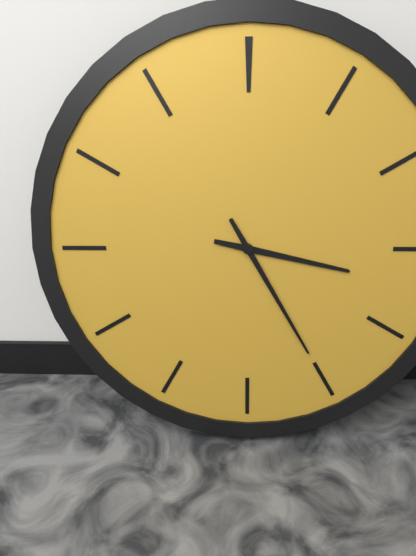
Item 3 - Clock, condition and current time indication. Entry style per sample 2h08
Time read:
3h25
